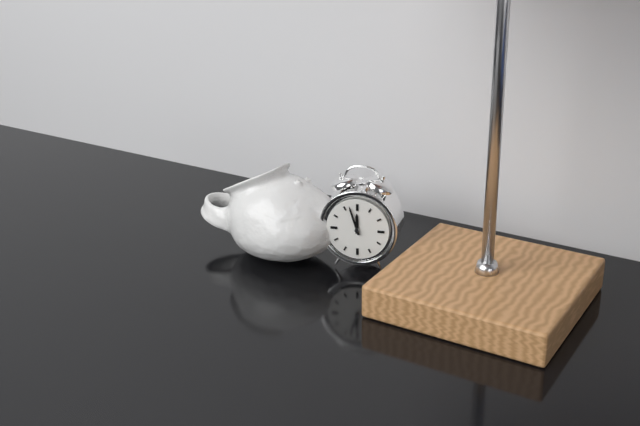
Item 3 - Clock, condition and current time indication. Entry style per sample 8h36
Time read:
11h57
